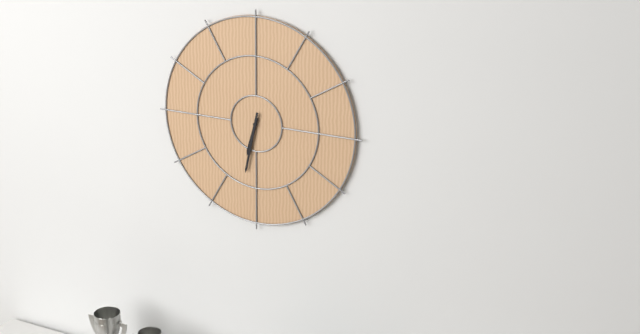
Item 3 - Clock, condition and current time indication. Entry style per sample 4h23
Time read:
6h32
